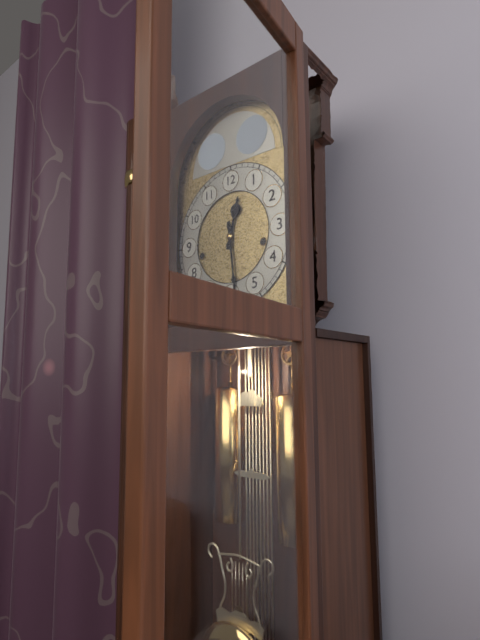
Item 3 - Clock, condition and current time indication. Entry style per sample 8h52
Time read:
12h29
